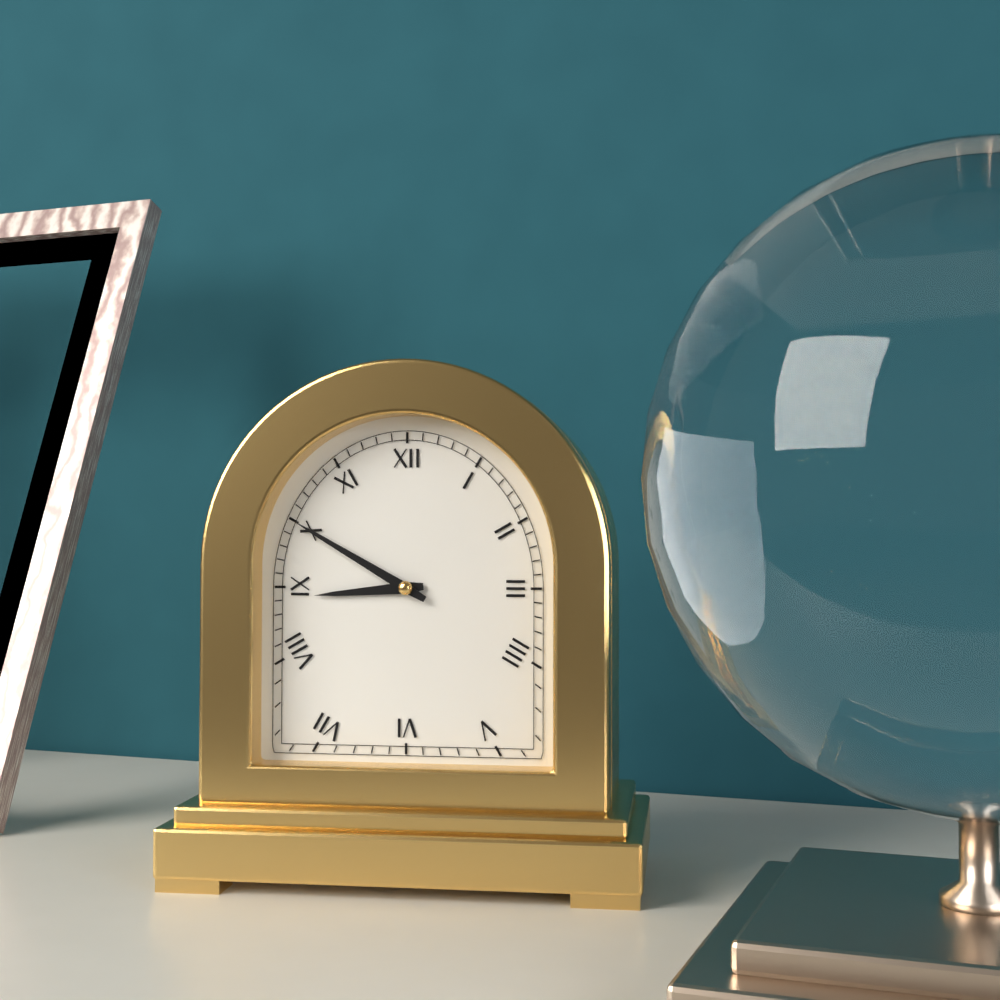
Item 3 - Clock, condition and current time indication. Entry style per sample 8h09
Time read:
8h50
